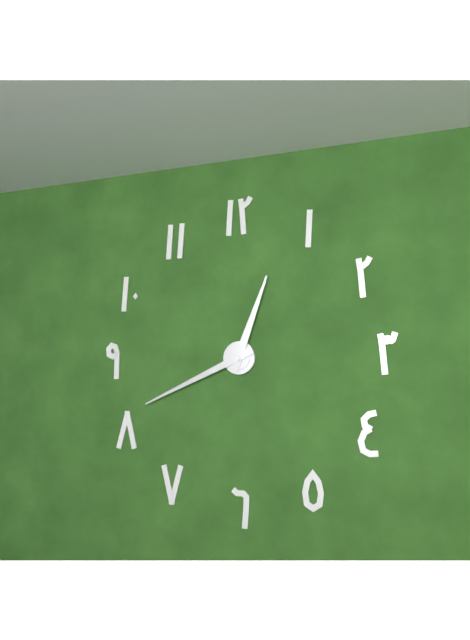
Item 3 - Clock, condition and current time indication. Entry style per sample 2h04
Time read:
12h41
